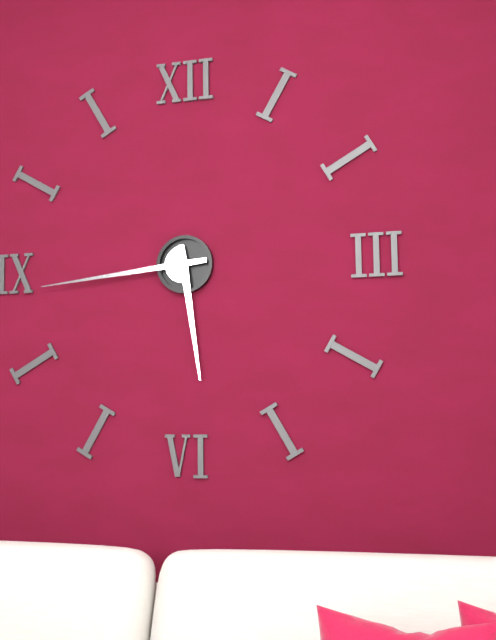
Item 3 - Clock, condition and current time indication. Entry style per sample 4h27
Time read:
5h44
